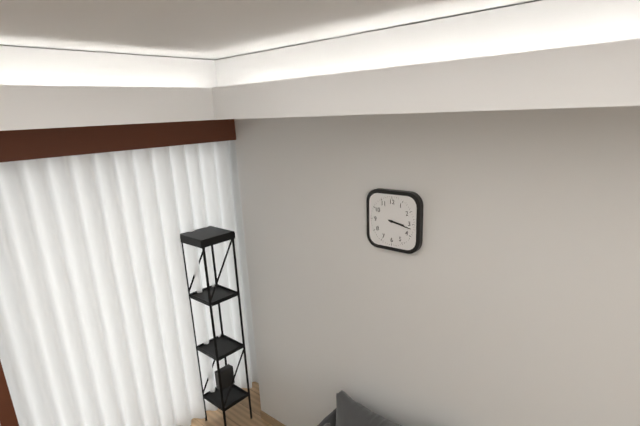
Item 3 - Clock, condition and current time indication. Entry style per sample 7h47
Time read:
3h17
